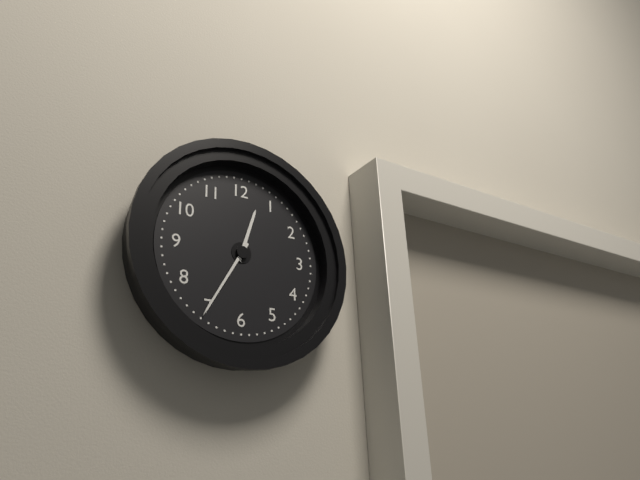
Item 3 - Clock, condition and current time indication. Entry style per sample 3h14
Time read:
12h35
